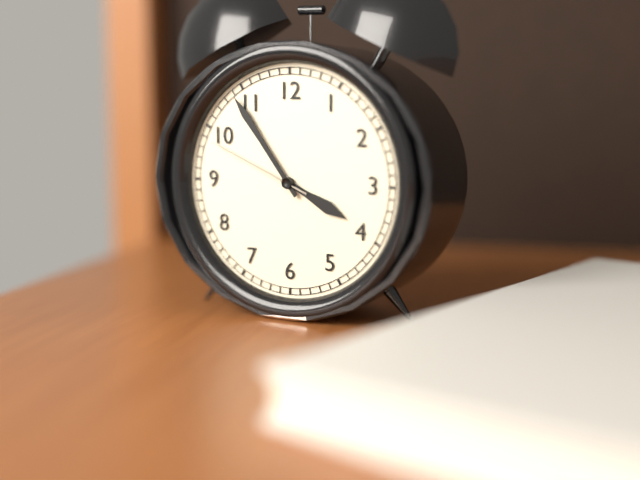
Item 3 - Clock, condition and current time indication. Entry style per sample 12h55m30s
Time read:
3h54m49s
